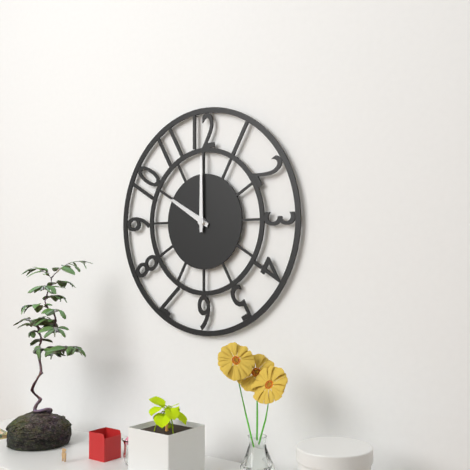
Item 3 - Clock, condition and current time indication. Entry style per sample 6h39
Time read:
10h00
